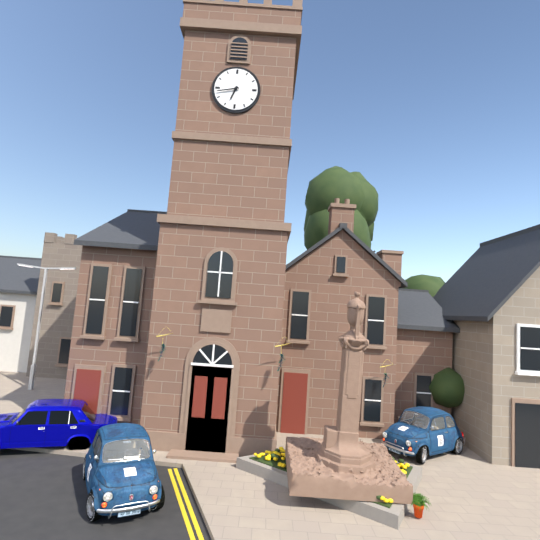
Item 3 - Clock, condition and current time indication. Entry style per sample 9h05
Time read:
6h43
